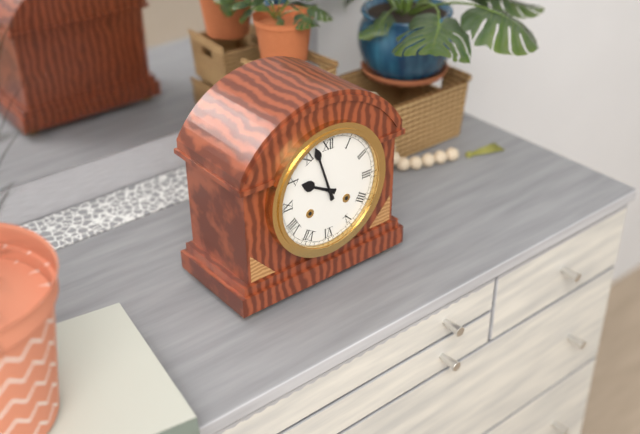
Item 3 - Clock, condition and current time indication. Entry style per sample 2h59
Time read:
9h57
